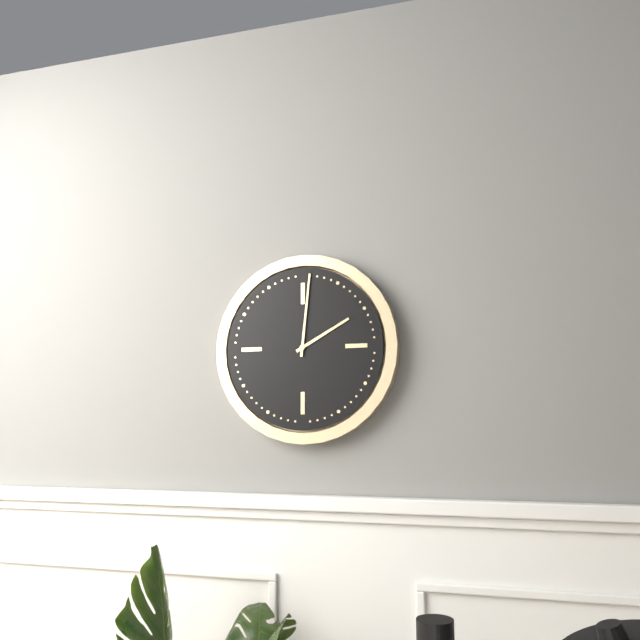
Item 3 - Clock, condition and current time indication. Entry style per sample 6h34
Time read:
2h01
